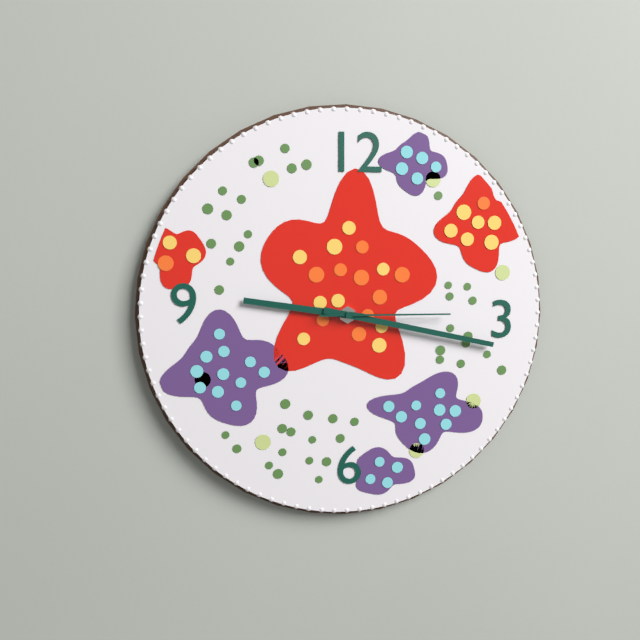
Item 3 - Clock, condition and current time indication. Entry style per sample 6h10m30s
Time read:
9h17m15s
